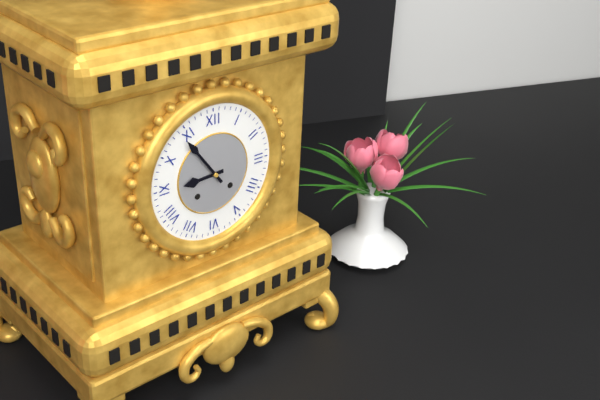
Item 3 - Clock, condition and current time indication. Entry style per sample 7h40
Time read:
8h54
